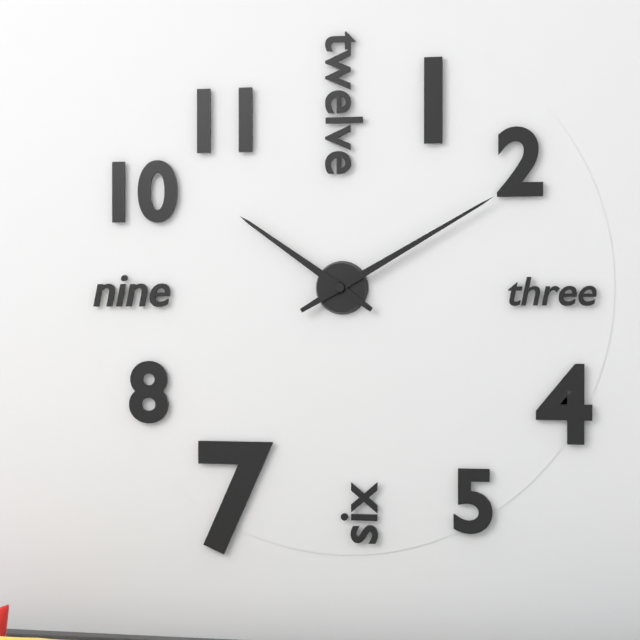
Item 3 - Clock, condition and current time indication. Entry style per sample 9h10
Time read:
10h10
